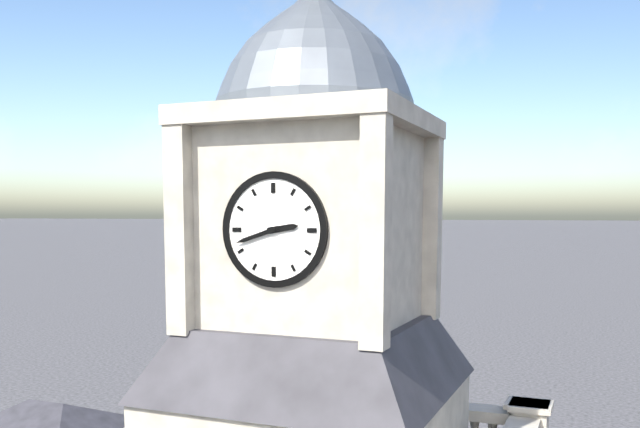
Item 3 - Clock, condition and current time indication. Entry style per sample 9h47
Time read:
2h42
